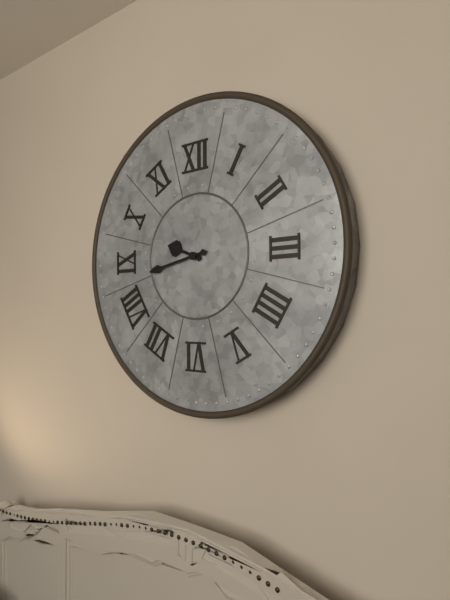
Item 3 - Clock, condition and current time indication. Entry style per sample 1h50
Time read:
9h43
